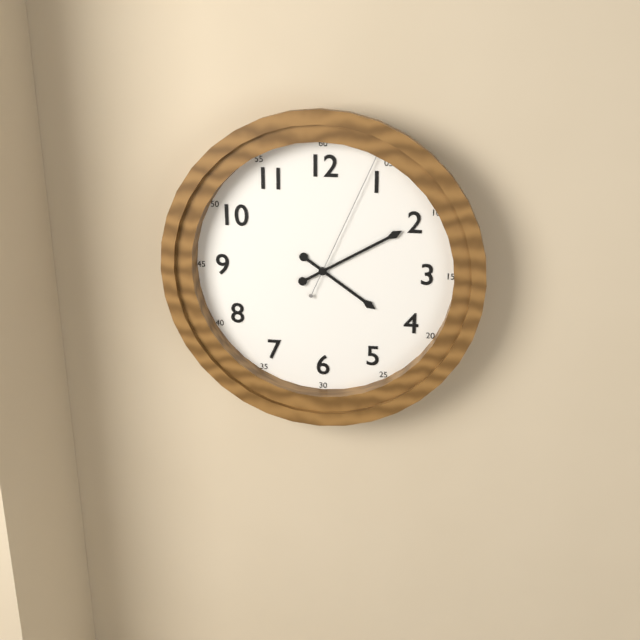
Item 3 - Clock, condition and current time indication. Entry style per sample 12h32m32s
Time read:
4h10m04s
